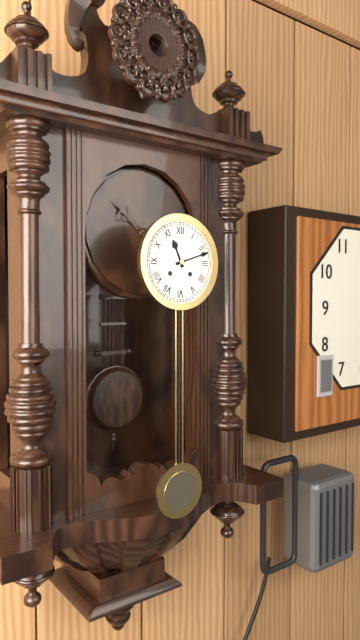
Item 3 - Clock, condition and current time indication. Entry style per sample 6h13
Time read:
11h12
